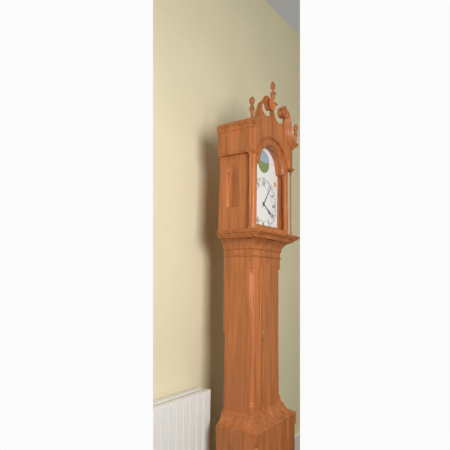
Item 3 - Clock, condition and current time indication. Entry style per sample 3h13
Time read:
4h06
